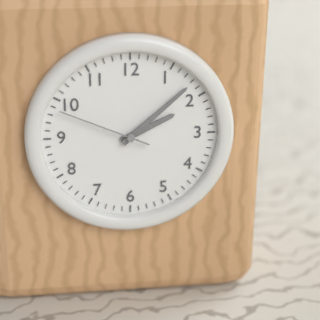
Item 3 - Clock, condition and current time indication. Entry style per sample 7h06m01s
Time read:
2h08m49s
